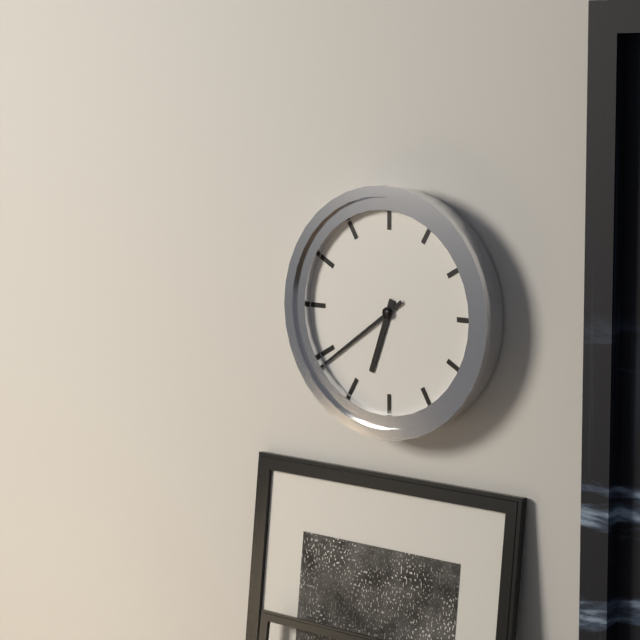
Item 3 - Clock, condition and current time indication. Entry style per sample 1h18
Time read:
6h39
